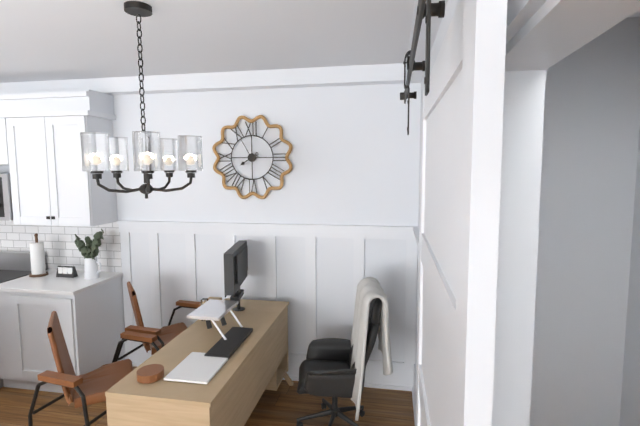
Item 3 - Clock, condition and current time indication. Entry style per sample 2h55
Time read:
7h55
